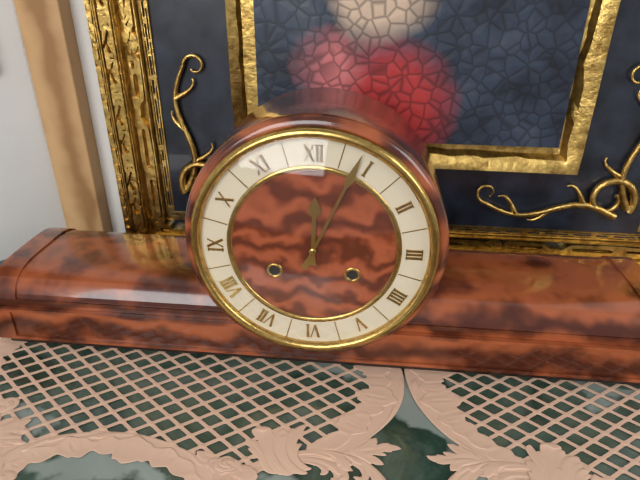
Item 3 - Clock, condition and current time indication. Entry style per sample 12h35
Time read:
12h04
